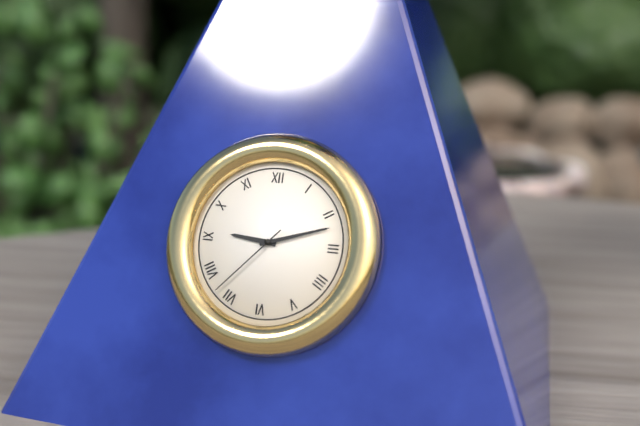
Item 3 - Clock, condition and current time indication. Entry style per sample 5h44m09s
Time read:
9h12m37s
